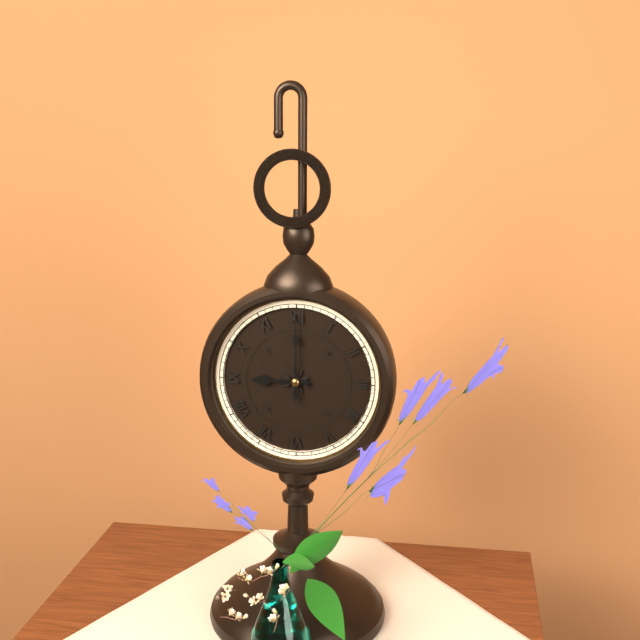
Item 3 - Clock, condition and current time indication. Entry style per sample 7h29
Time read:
9h00
